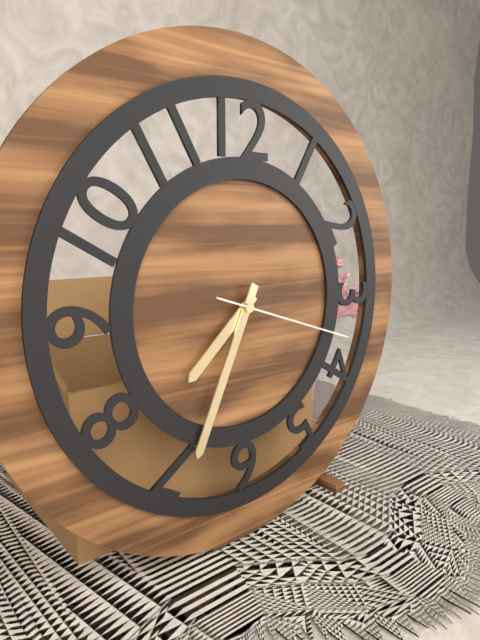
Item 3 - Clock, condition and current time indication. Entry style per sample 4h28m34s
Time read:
7h34m18s
